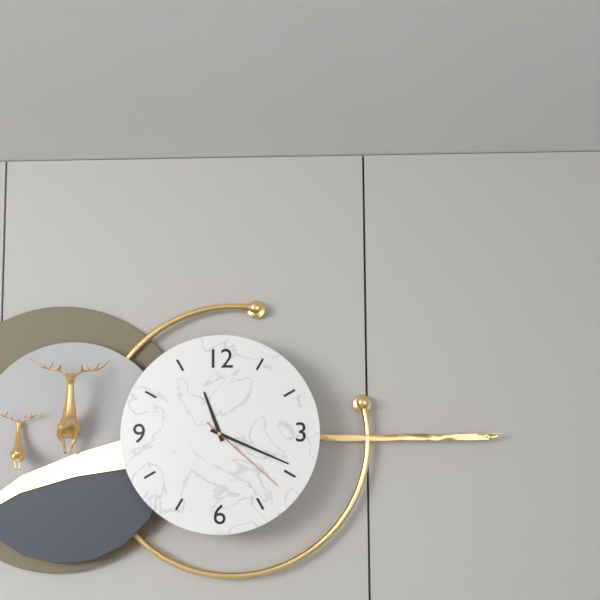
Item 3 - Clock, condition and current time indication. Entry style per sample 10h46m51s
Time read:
11h19m22s
